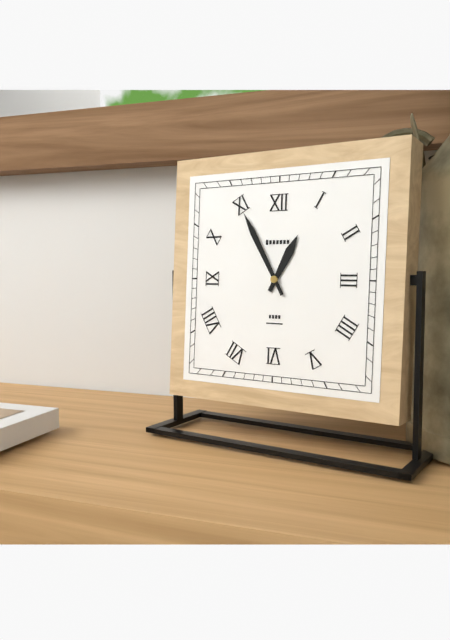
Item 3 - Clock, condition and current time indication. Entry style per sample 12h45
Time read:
12h55
